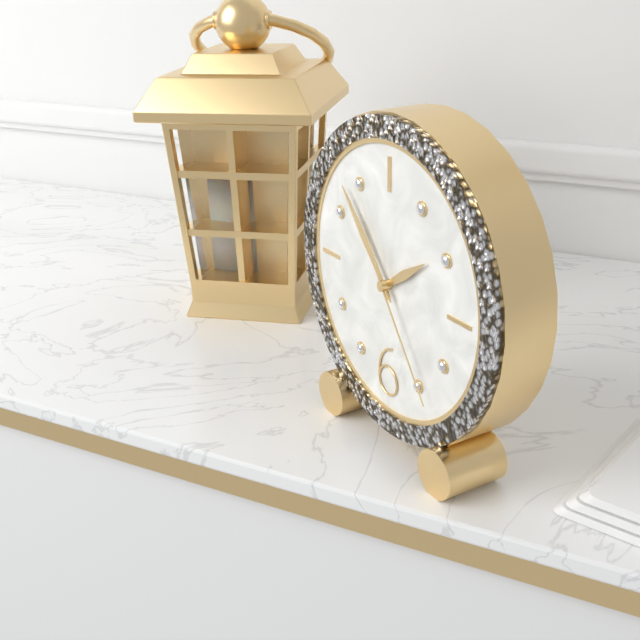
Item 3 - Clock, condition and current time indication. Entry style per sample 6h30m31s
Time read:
1h53m24s
